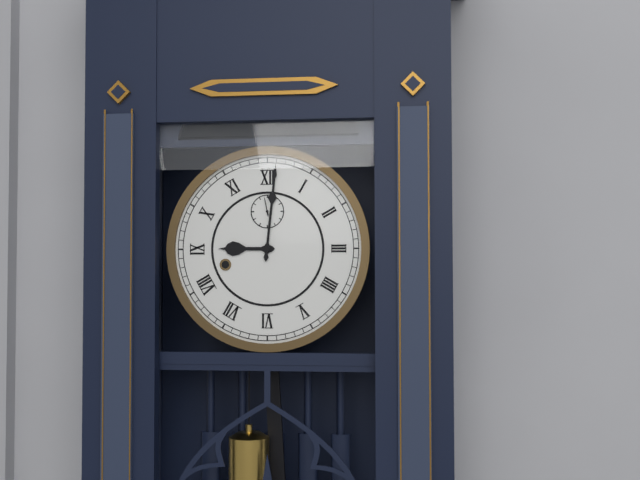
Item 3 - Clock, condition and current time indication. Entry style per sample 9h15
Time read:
9h01
